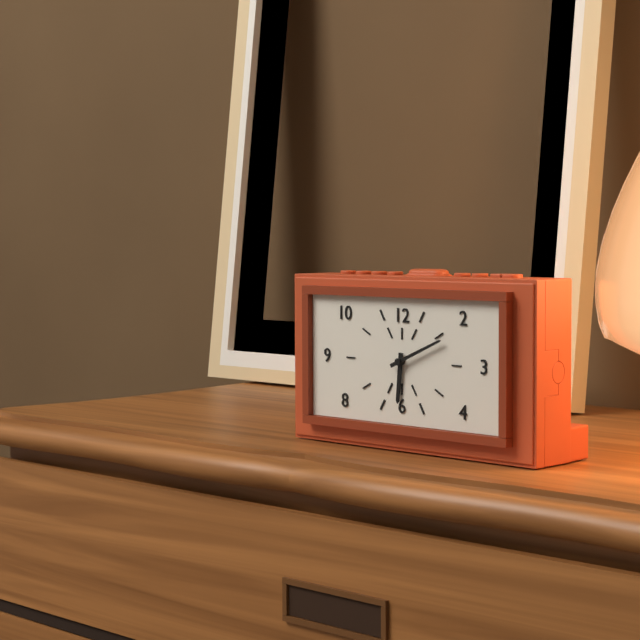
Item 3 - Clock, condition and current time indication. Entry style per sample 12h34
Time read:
6h11
